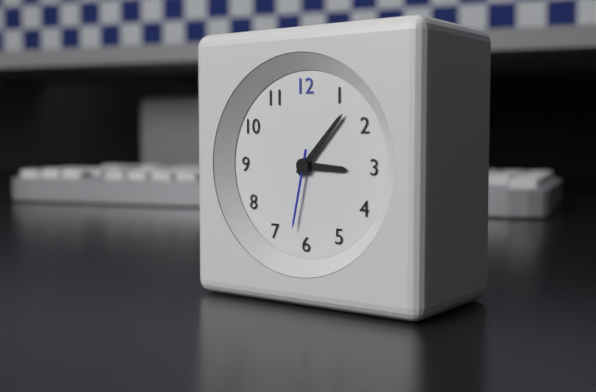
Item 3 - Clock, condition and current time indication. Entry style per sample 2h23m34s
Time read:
3h07m32s
